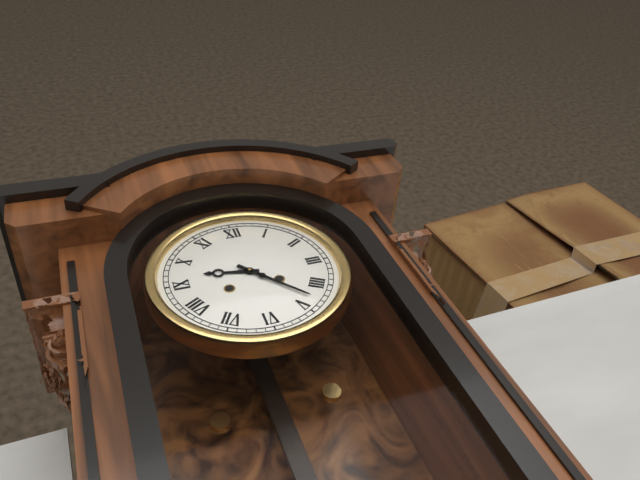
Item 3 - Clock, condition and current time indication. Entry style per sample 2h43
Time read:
9h23
